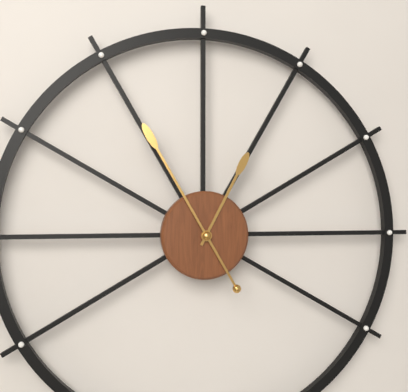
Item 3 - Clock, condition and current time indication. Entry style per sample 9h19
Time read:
12h55
